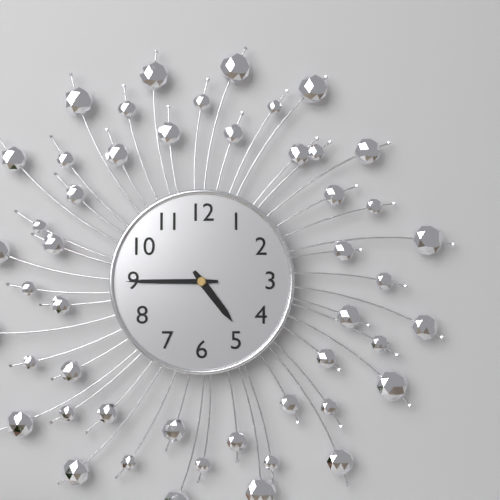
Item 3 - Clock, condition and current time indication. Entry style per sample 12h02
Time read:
4h45
